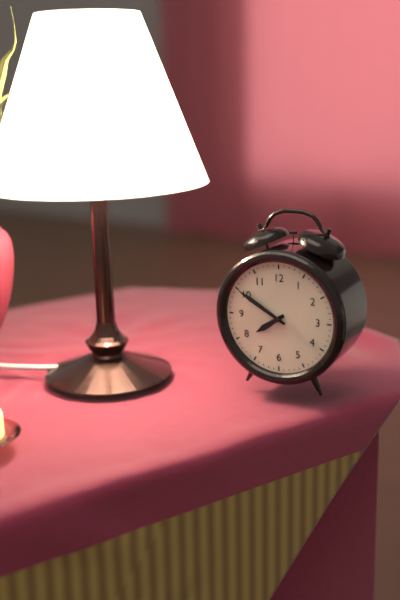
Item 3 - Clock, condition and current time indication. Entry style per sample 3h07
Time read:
7h50
